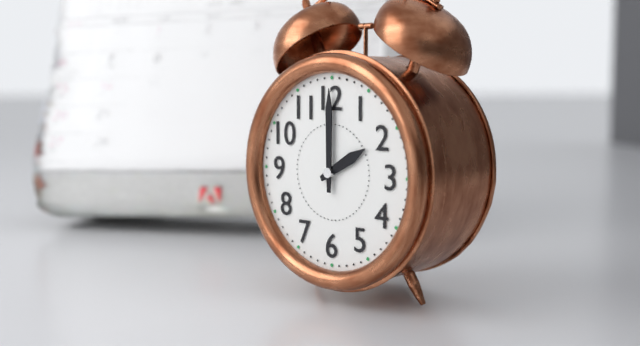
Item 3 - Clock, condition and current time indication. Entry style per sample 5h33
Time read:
2h00
